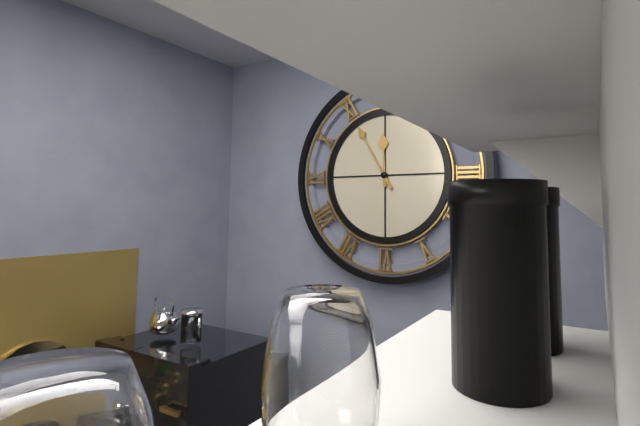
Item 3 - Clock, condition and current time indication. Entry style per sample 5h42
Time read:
11h55
